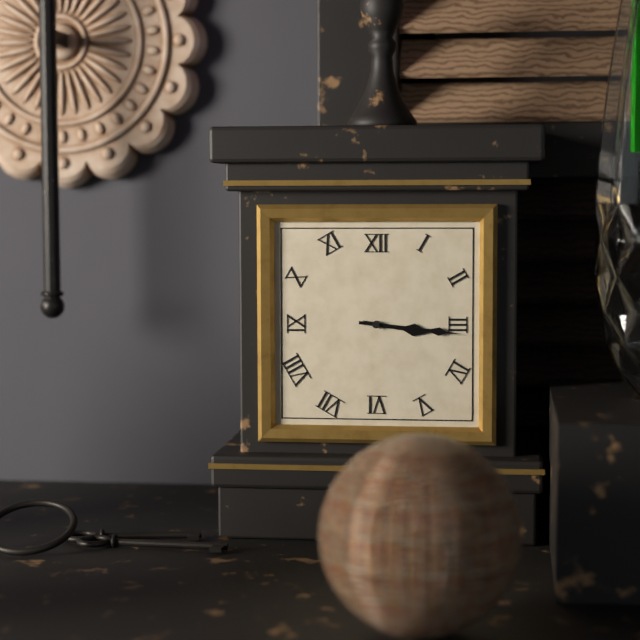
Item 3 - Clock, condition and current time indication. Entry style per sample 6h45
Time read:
3h16
